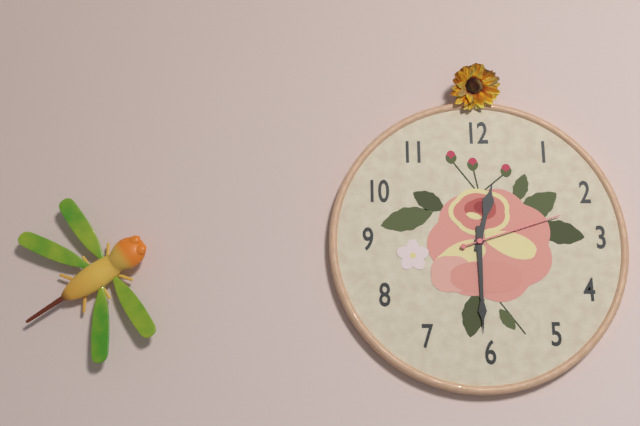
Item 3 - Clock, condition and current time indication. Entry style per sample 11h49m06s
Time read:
12h30m12s
